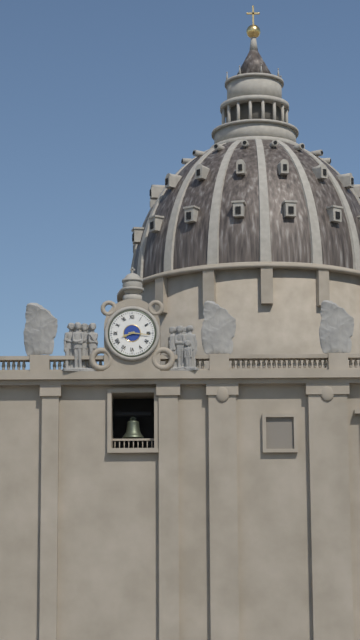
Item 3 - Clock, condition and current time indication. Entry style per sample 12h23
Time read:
8h16
